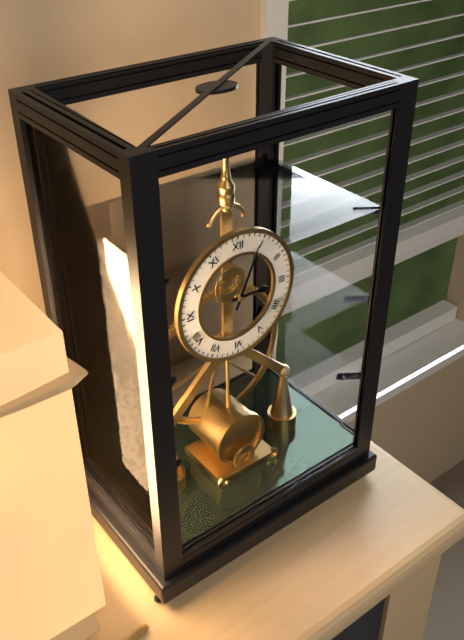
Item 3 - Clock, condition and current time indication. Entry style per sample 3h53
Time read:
3h04
